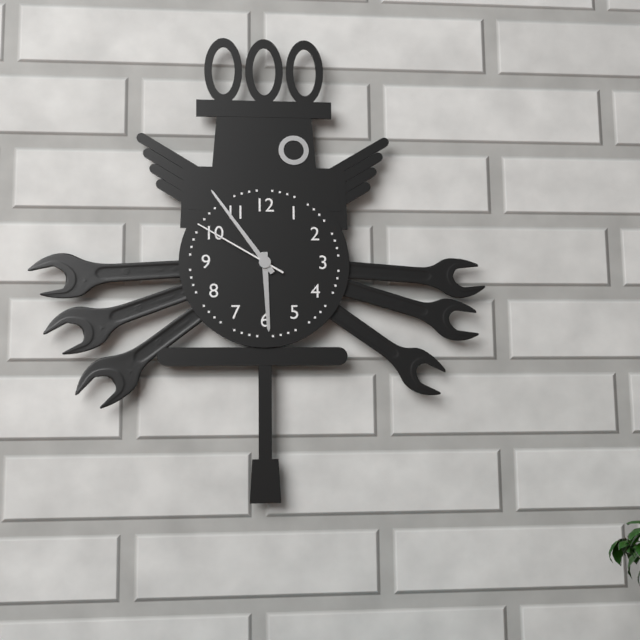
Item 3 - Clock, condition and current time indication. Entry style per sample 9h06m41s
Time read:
5h54m50s
